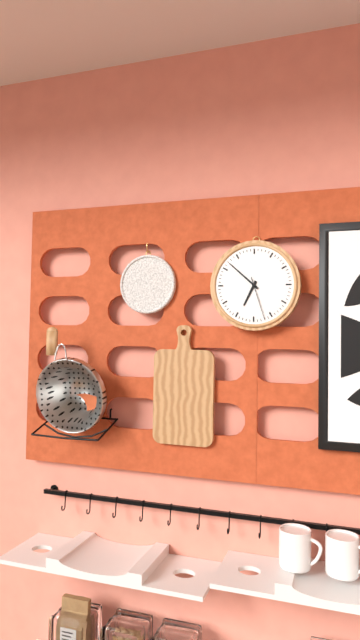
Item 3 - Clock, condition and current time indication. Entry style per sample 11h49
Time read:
6h52
